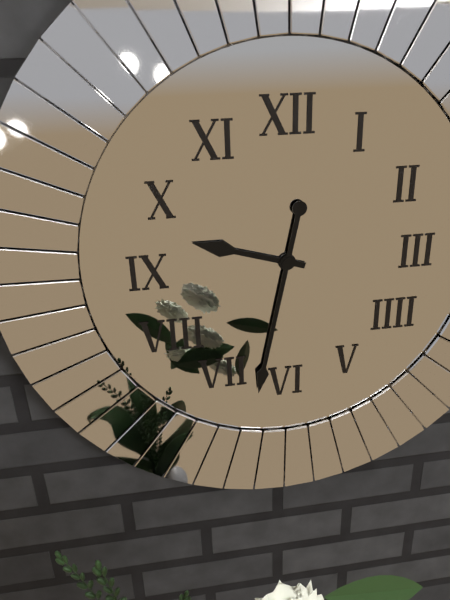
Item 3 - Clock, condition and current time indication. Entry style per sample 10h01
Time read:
9h32
